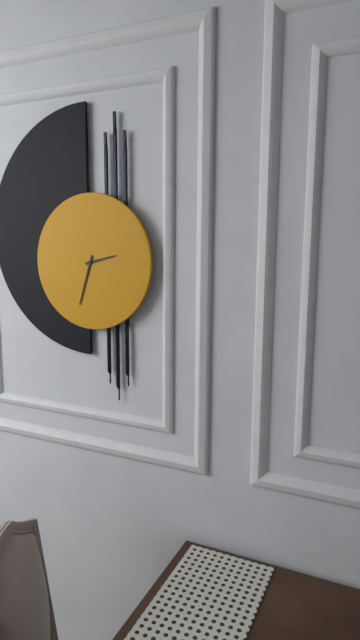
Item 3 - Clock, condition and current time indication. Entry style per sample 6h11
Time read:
2h33
